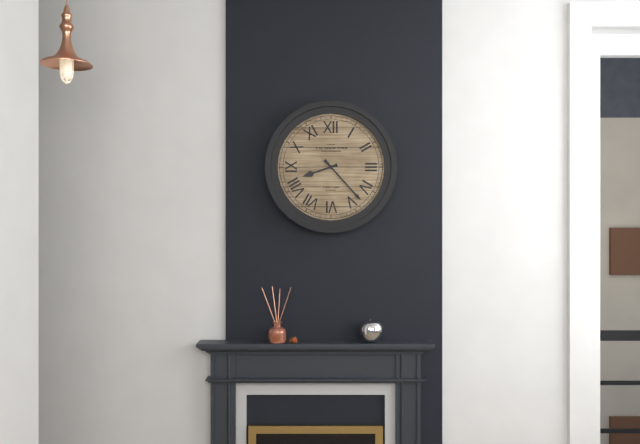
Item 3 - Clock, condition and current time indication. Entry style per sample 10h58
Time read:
8h23
